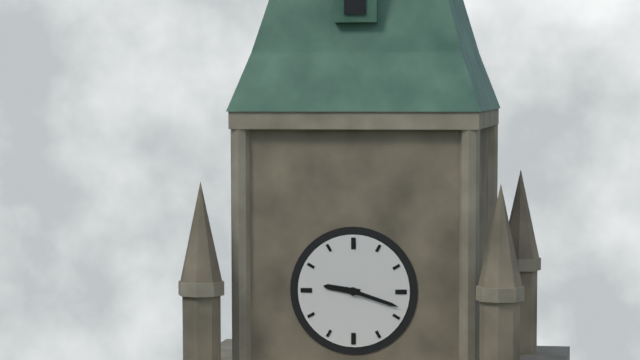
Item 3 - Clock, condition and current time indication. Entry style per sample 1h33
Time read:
9h18
